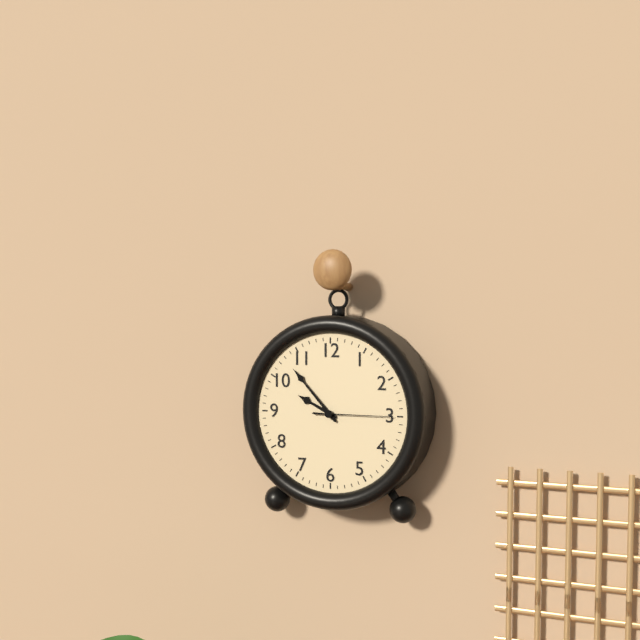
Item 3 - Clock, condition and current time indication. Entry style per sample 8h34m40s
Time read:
9h53m15s
